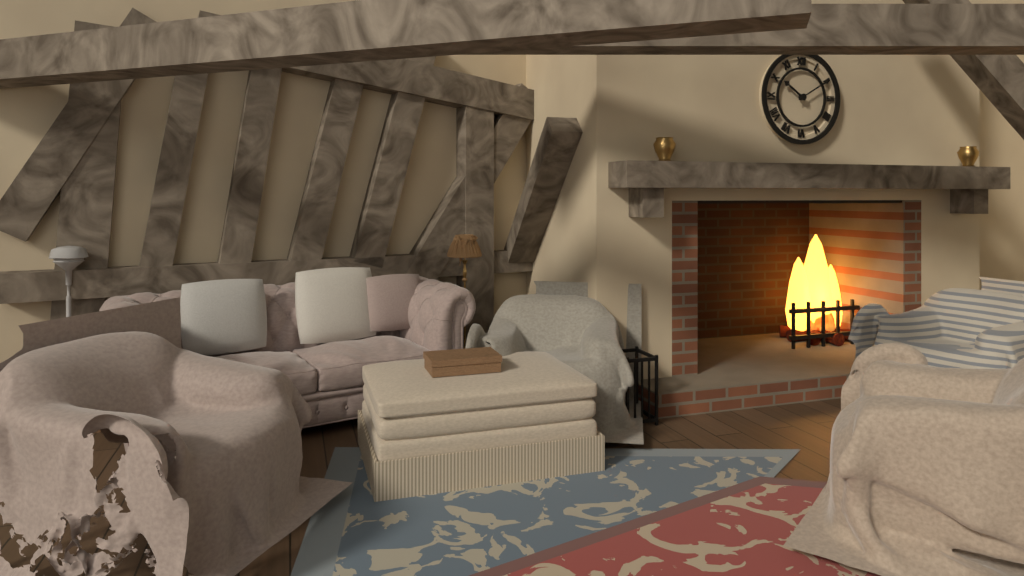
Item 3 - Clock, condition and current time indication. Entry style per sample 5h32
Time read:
10h10
